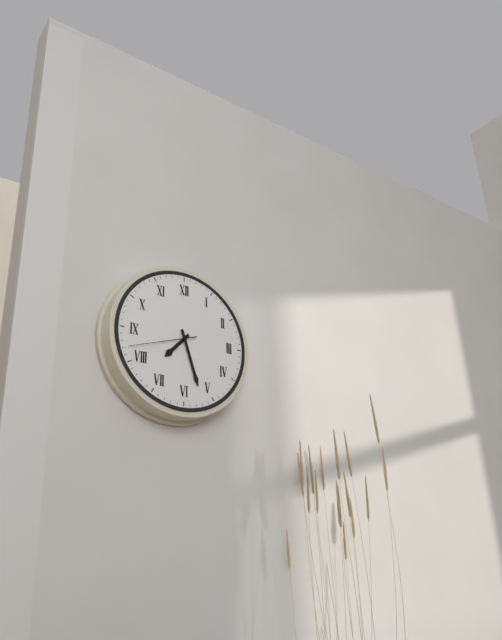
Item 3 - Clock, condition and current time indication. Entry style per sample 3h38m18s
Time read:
7h27m42s
